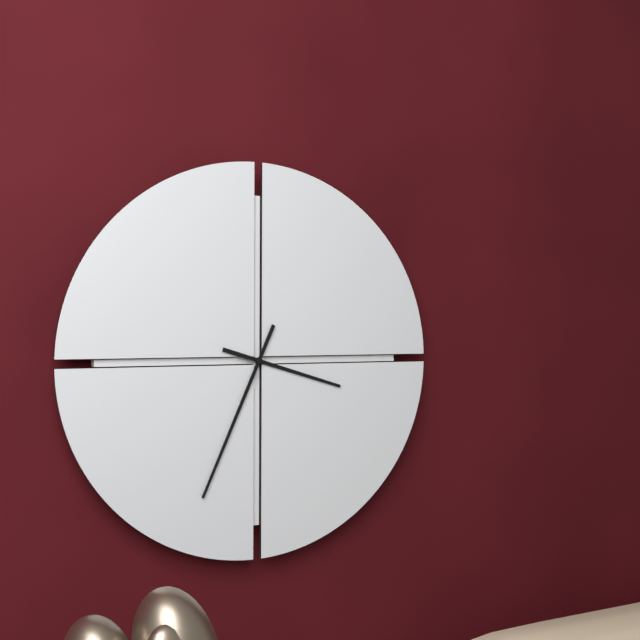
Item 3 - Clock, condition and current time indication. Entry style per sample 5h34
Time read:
3h34
